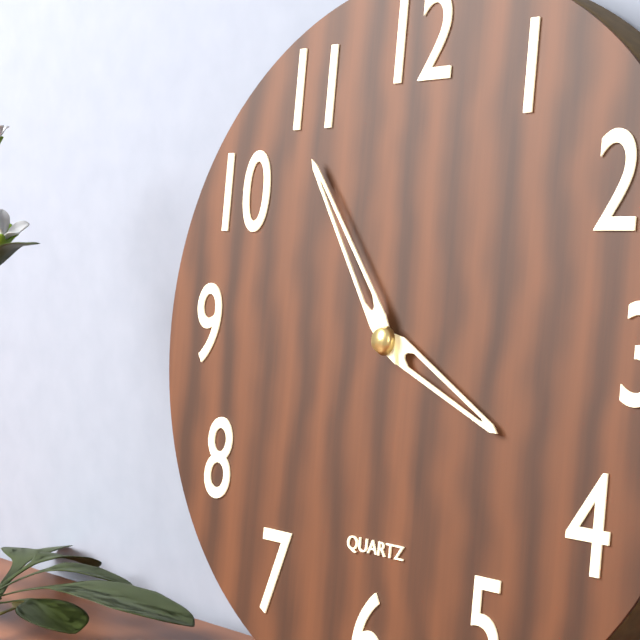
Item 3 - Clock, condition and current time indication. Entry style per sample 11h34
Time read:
3h54
